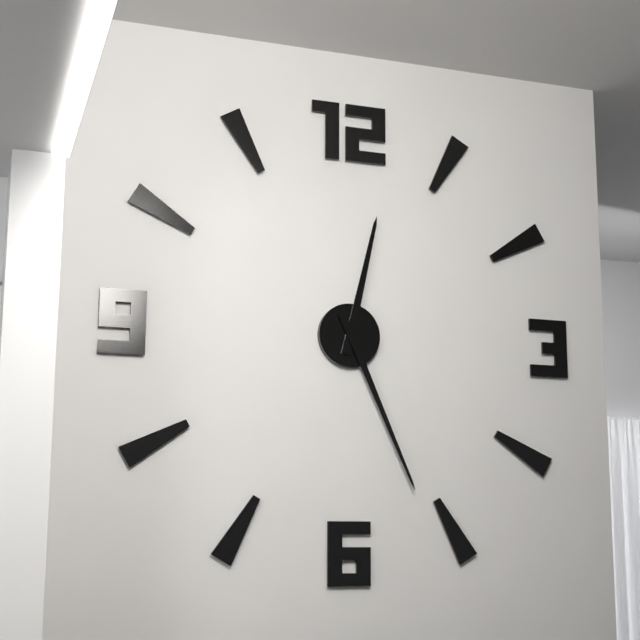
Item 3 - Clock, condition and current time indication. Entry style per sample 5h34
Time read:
12h26
